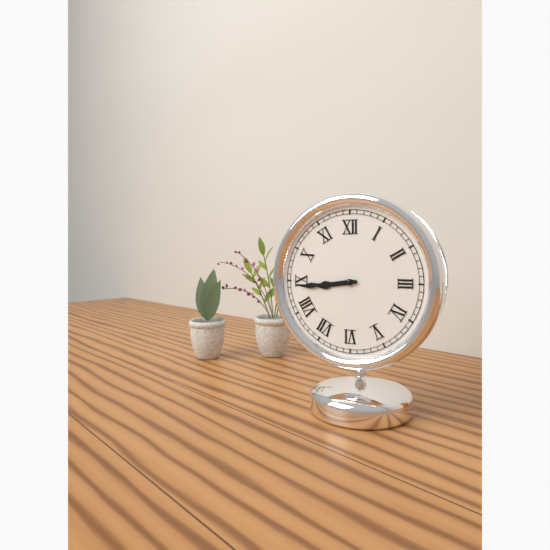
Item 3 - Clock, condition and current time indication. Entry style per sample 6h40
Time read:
8h44
